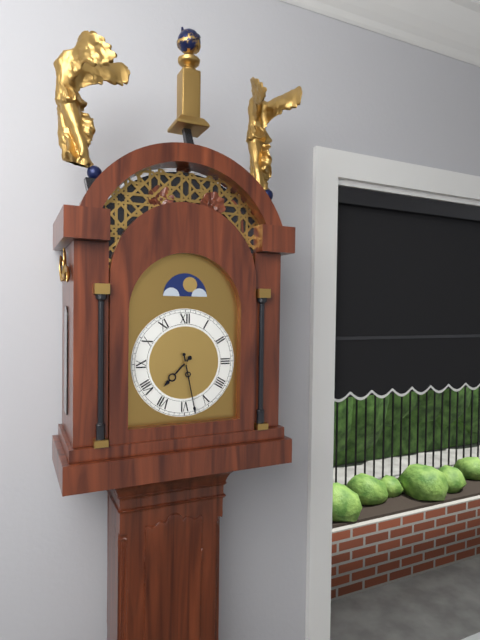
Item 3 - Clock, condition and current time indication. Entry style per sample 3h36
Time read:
7h28
